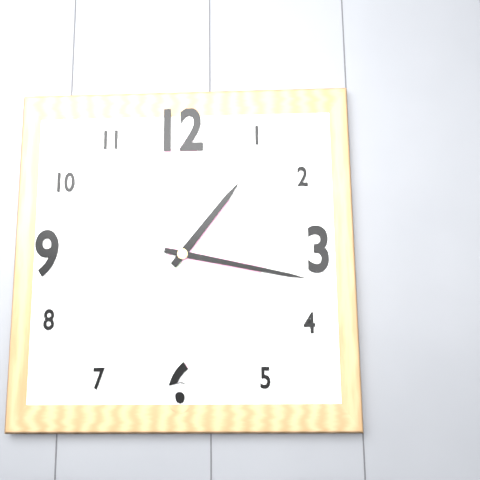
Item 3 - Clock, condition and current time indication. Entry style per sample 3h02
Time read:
1h17
